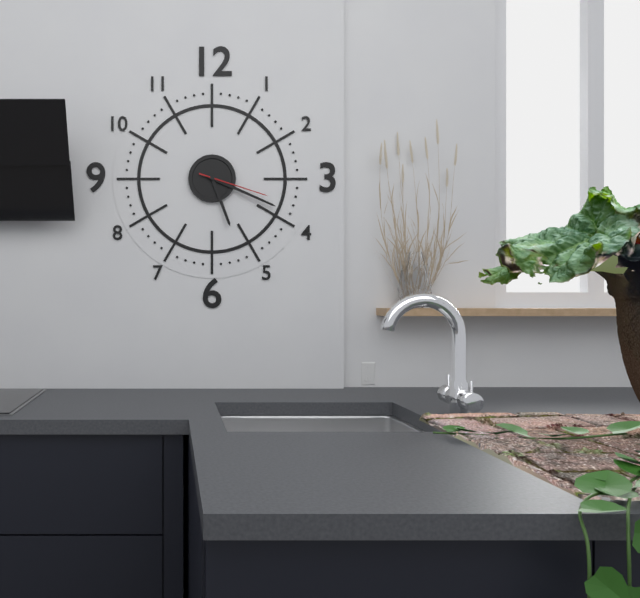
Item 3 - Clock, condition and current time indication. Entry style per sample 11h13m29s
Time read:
5h19m18s
